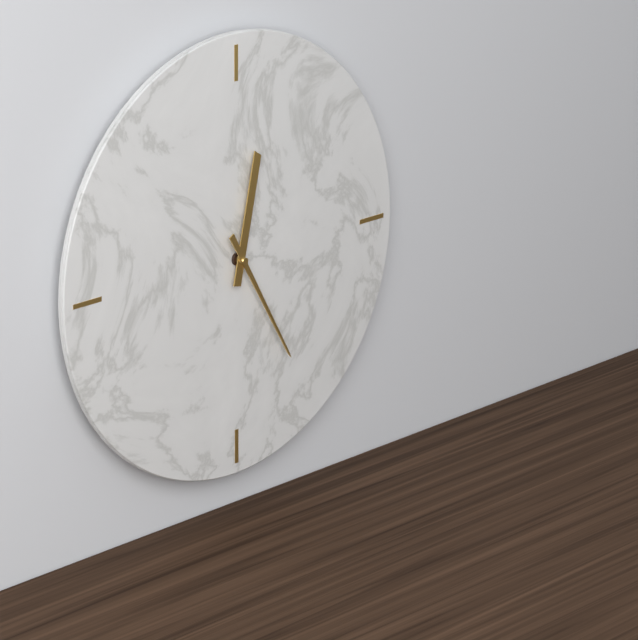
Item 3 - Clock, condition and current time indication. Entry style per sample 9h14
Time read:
12h25
